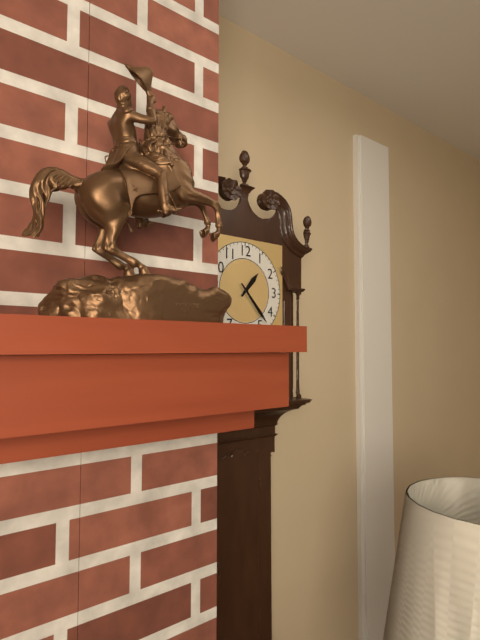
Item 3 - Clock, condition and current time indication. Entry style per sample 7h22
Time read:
1h23
